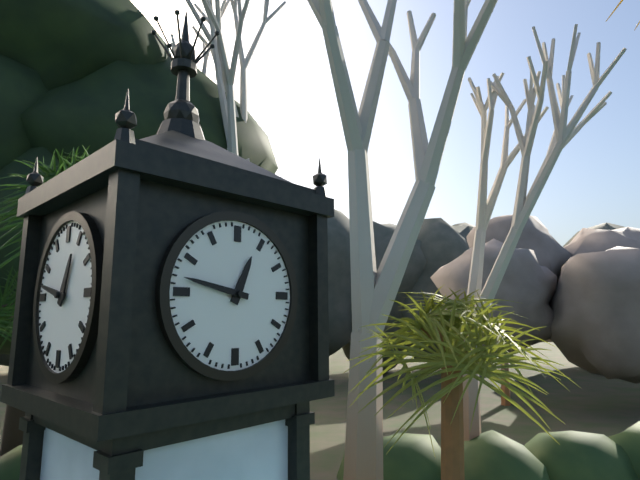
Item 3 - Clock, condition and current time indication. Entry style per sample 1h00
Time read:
12h47
